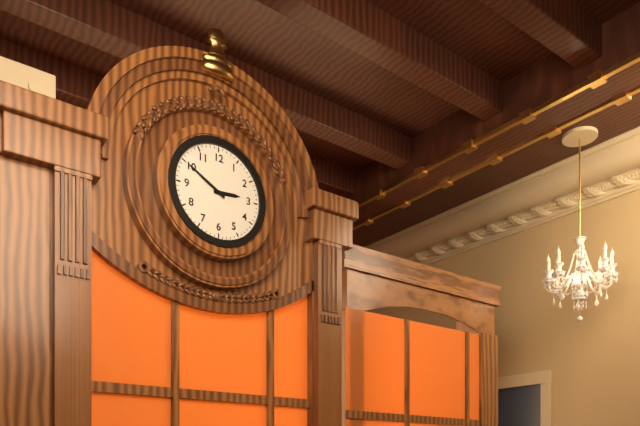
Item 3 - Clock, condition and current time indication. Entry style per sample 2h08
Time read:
2h50
